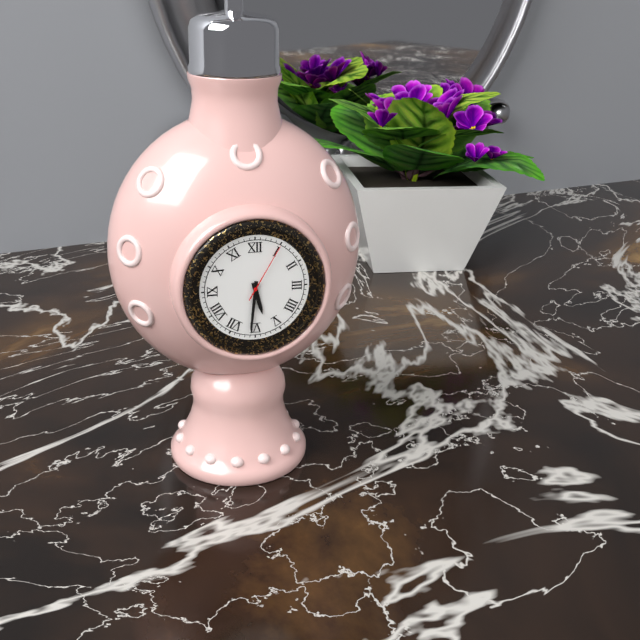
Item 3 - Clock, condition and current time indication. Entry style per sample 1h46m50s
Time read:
5h31m05s
